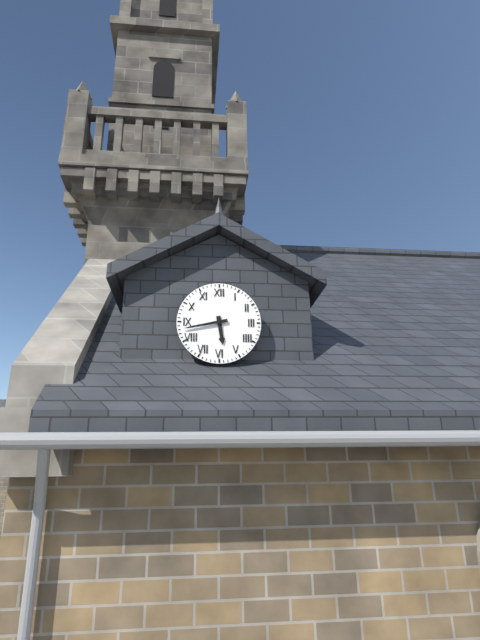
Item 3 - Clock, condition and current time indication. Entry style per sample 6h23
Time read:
5h43
